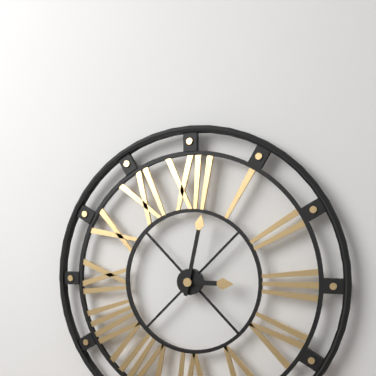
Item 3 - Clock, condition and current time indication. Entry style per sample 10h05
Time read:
3h02
